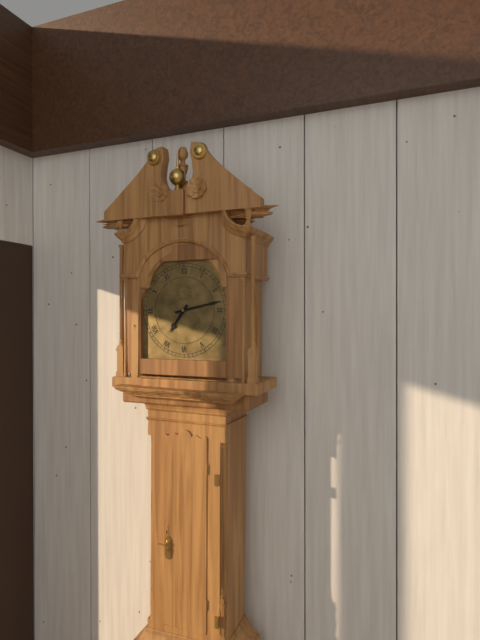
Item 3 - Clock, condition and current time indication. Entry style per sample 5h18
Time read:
7h13
